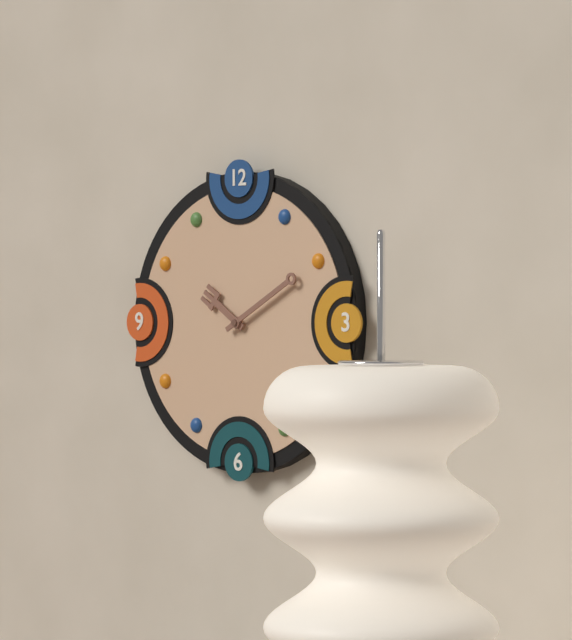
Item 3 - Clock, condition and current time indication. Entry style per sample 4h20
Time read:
10h10
